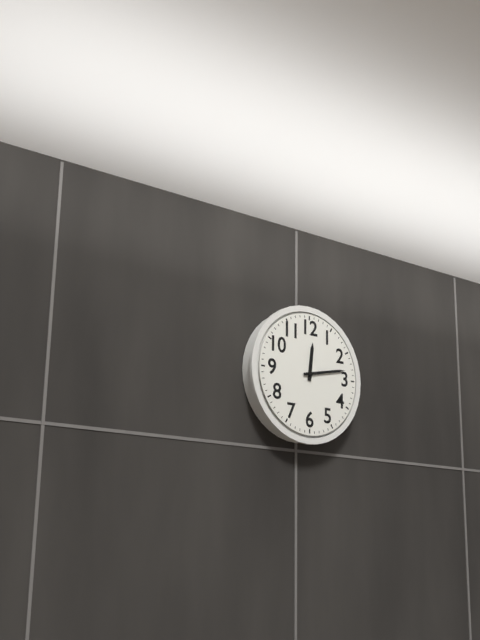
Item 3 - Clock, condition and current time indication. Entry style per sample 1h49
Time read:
12h13
